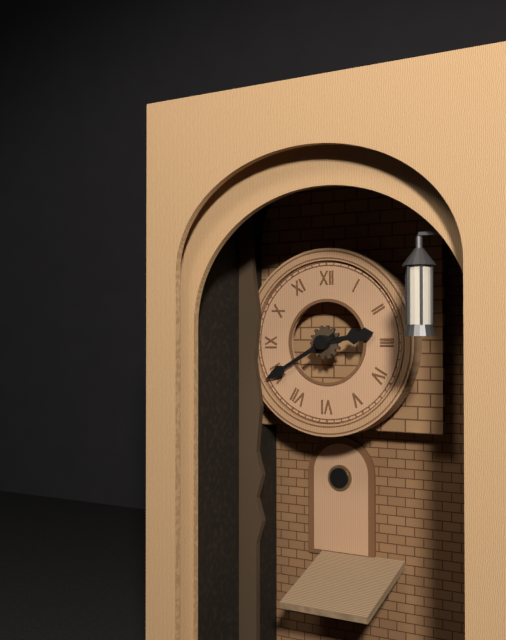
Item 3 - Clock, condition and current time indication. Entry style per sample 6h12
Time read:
2h40
